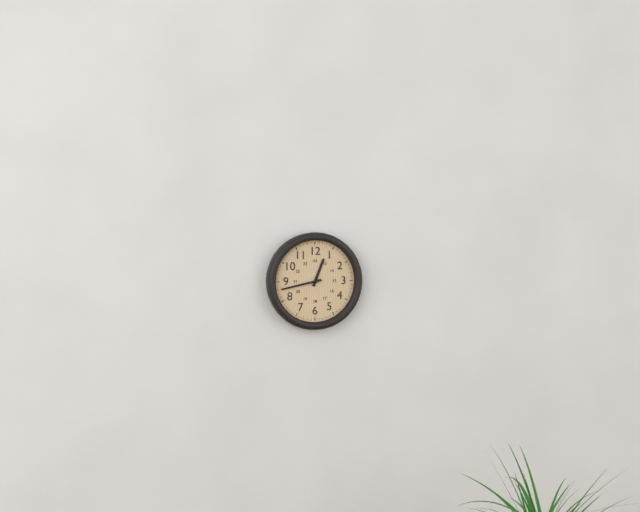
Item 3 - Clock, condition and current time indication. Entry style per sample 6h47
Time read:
12h43
